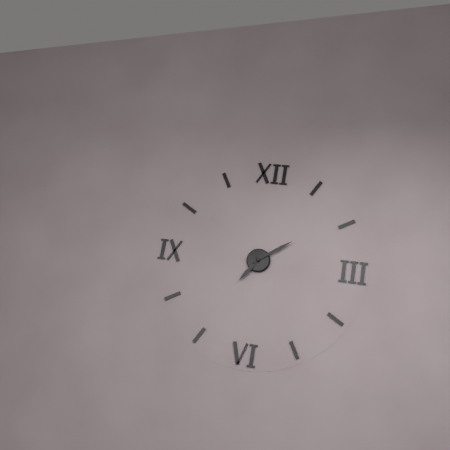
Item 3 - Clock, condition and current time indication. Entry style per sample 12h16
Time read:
7h09
